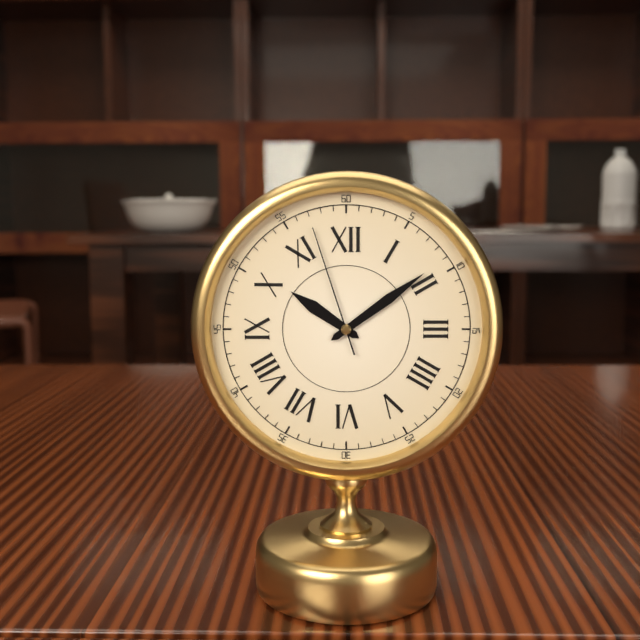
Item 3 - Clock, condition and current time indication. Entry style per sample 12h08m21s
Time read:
10h09m57s
